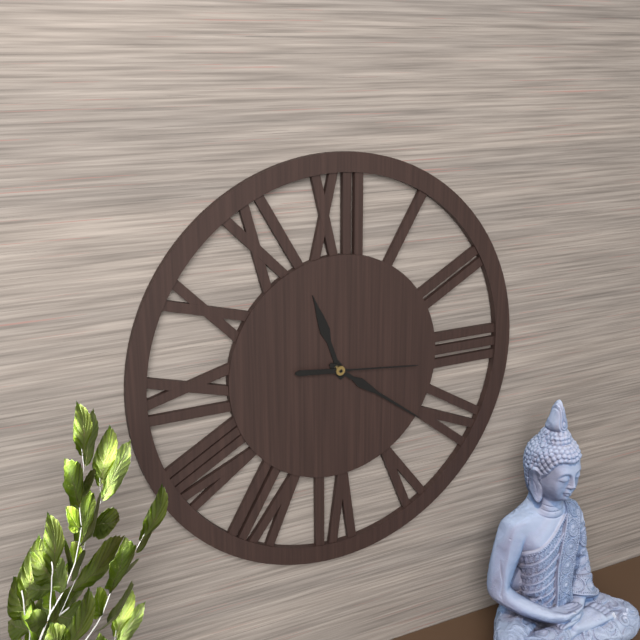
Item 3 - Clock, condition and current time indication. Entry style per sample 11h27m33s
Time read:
11h21m16s
